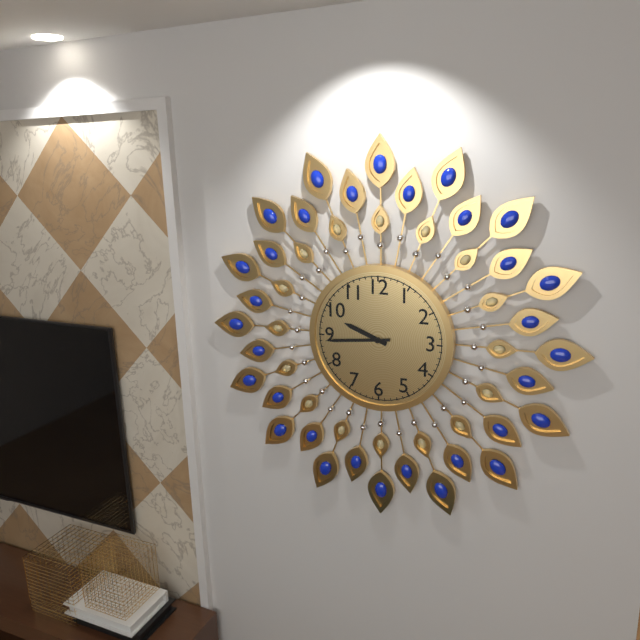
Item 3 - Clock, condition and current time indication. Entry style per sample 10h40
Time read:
9h44
